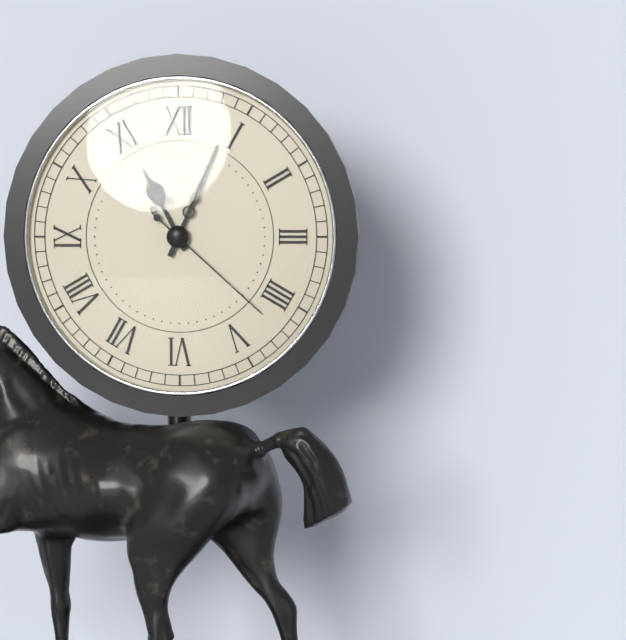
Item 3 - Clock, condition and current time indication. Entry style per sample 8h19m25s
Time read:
11h04m22s
